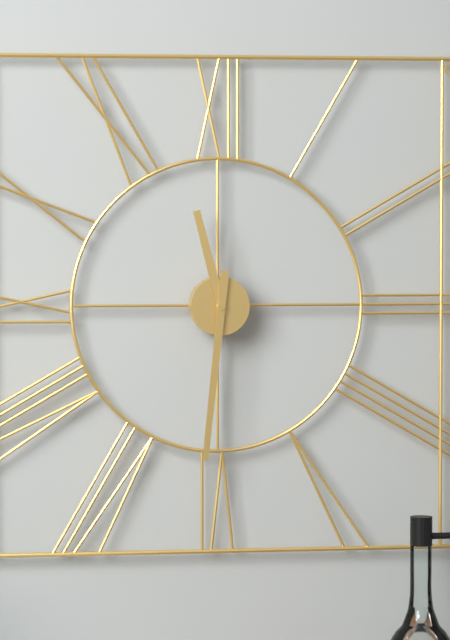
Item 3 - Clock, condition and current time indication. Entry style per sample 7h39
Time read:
11h31
